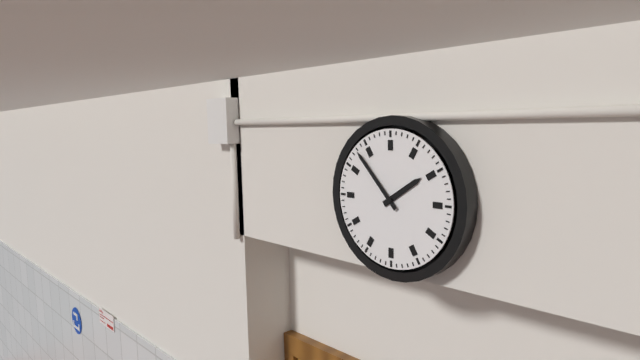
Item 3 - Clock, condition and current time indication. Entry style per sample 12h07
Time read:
1h53
